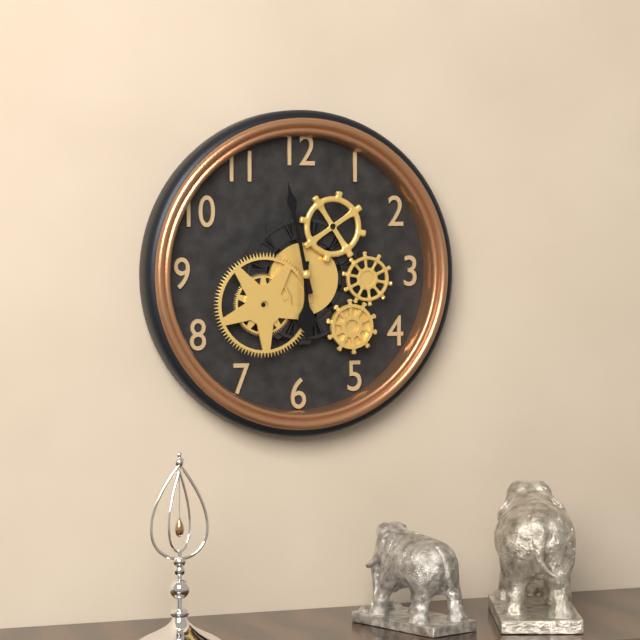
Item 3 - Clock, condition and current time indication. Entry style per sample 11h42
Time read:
5h58
